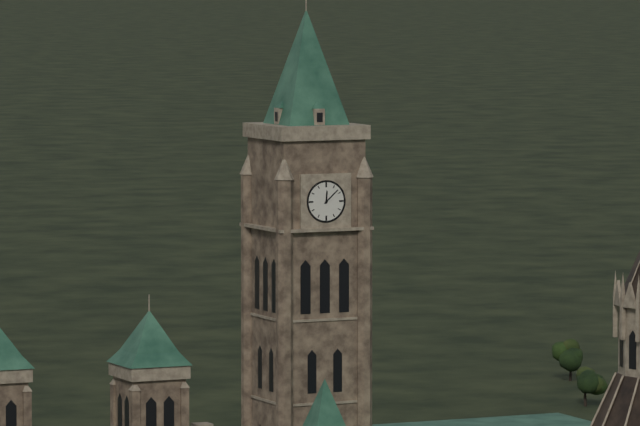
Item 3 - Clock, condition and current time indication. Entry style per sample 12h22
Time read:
12h08
